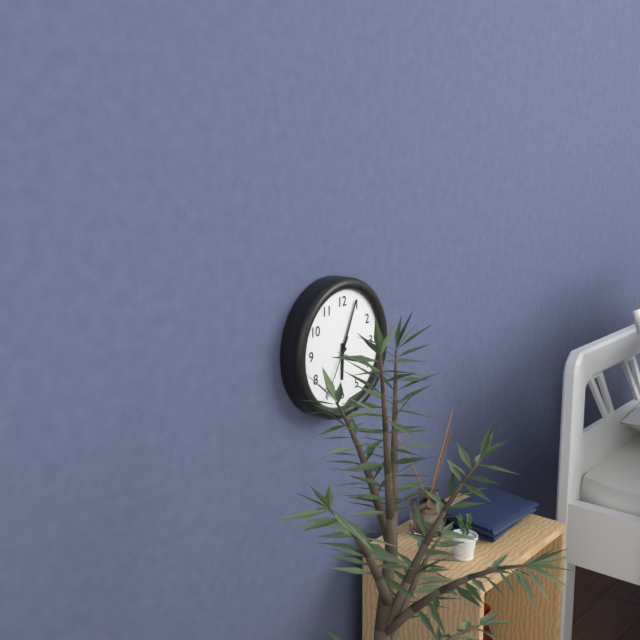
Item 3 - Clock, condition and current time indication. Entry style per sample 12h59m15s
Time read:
6h04m35s
